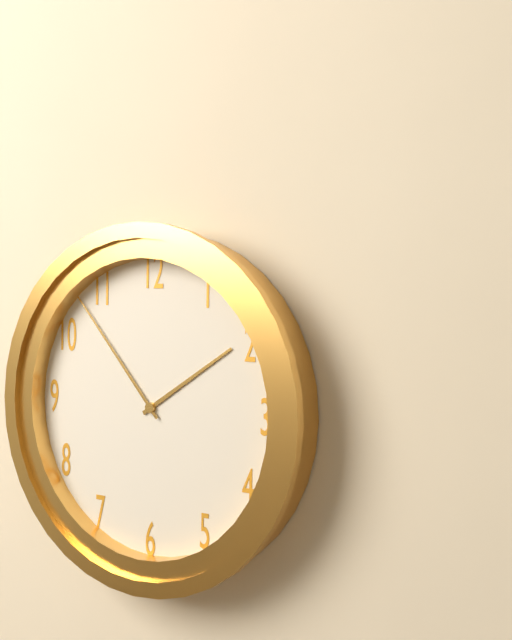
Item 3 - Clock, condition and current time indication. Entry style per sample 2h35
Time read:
1h53
